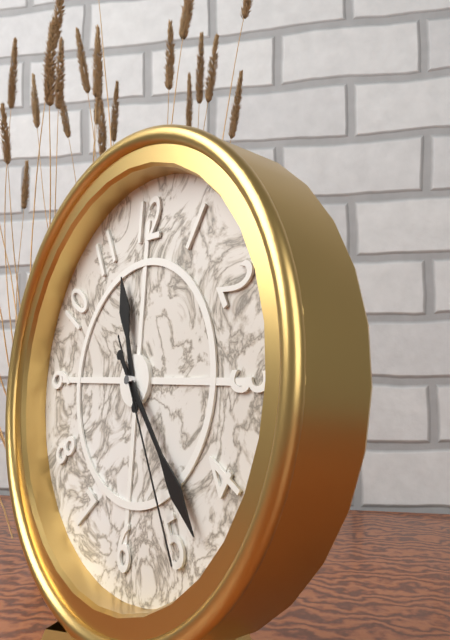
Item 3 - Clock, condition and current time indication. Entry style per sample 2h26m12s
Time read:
11h23m25s
